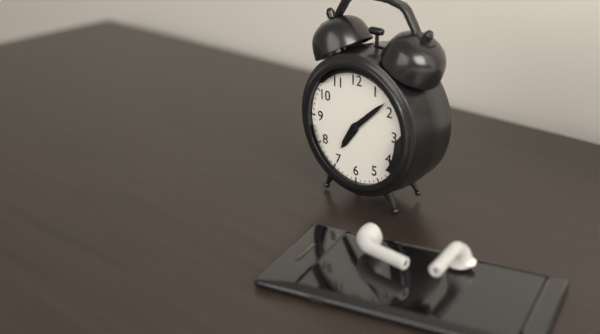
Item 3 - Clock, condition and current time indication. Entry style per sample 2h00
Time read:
7h08
